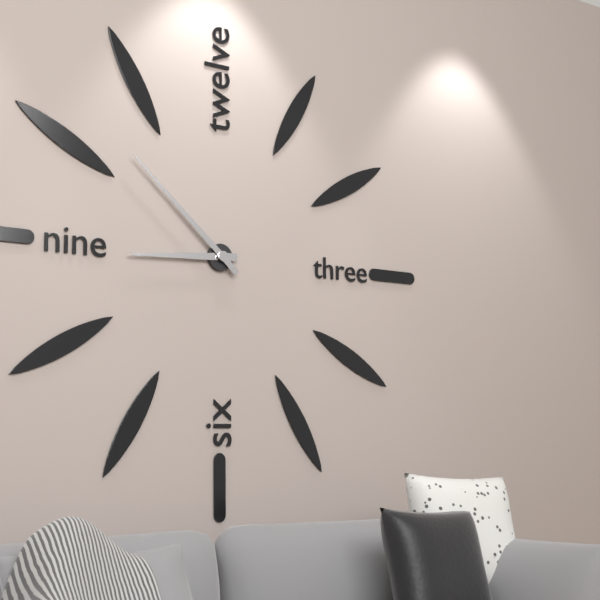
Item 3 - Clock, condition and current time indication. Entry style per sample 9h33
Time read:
8h52
